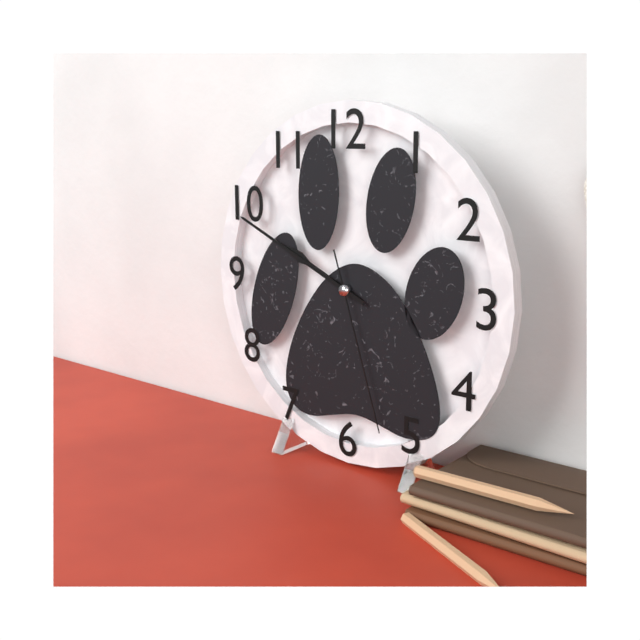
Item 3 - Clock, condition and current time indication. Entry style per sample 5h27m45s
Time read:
9h49m27s
